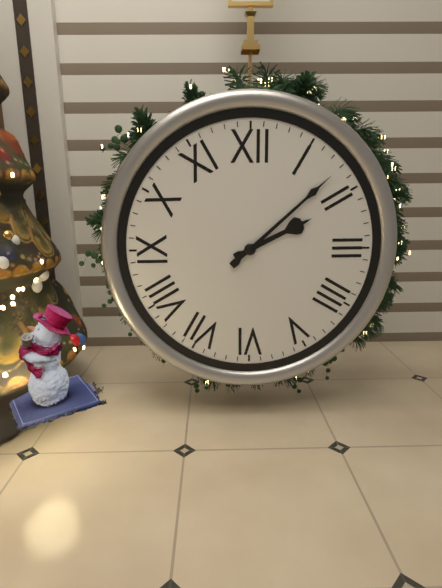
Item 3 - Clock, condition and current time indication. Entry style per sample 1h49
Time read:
2h08
